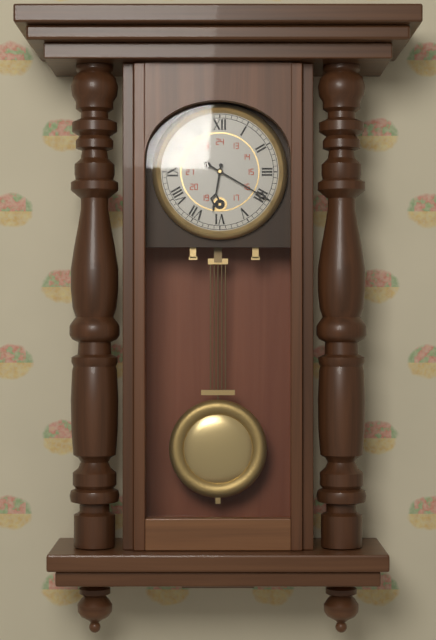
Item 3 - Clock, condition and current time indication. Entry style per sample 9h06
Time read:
6h20
